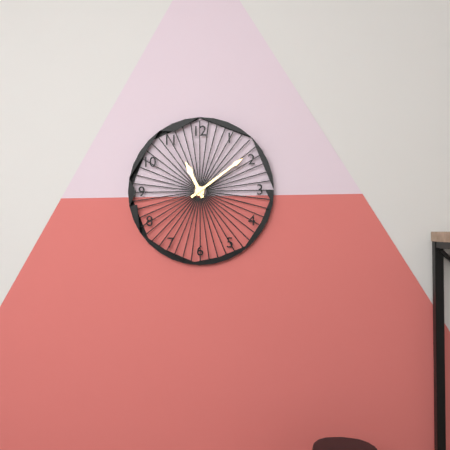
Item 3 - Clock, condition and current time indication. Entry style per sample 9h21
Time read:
11h09
